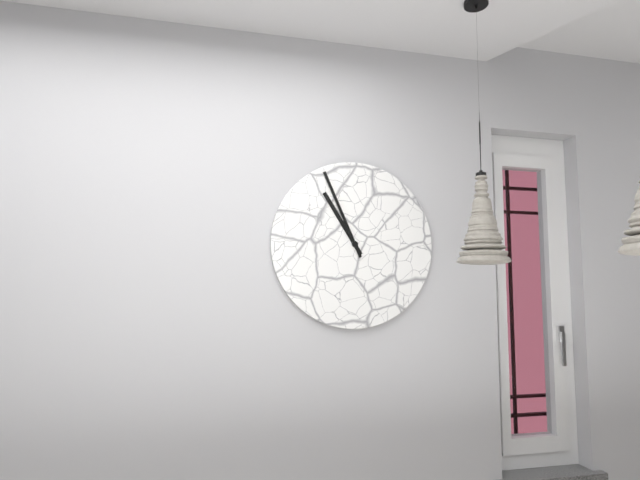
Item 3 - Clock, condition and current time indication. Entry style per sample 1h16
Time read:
10h56
